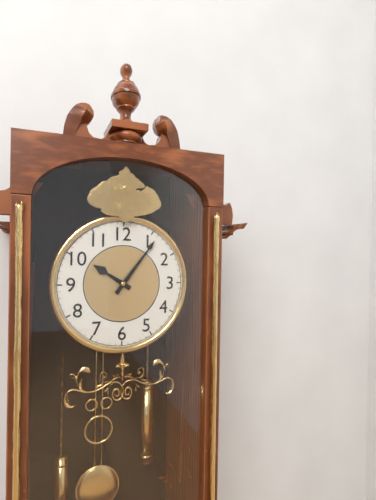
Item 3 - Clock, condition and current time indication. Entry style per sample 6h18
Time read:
10h06
